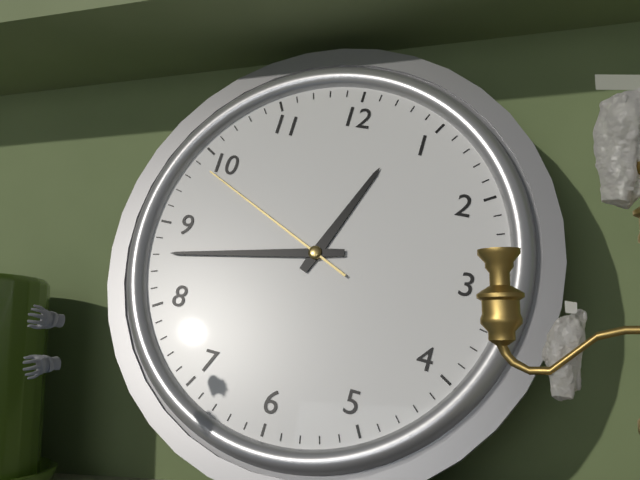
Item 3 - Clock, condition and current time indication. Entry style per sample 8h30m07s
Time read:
12h43m49s
